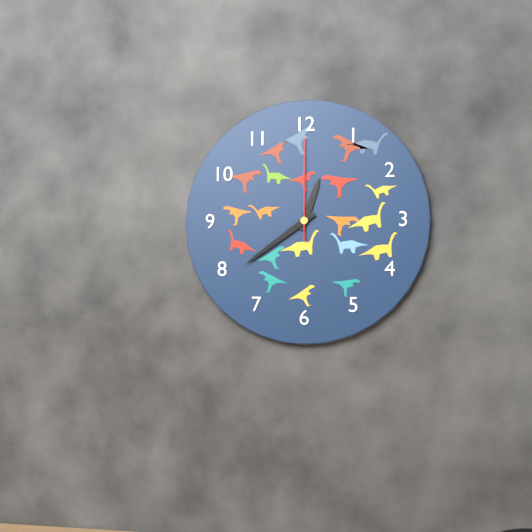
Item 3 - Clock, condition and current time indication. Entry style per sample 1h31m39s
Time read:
12h39m00s
